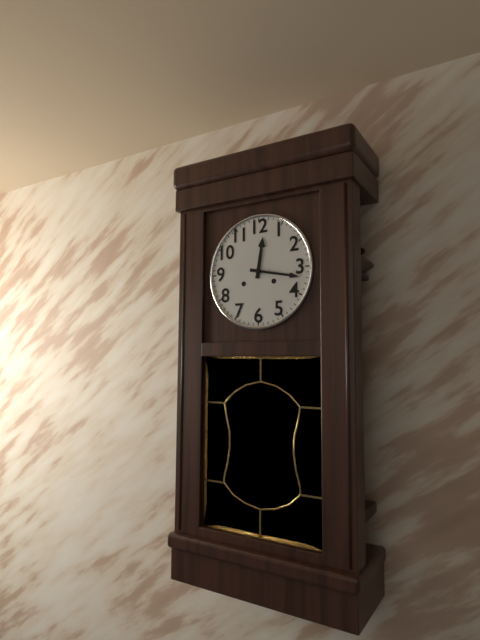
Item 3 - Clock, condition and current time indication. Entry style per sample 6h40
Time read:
12h17
